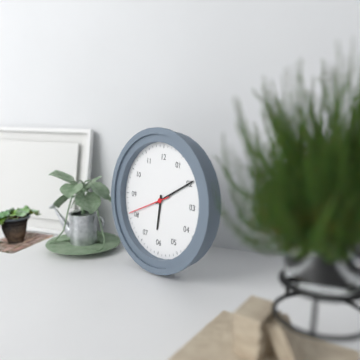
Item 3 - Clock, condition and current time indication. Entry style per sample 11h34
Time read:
6h10
